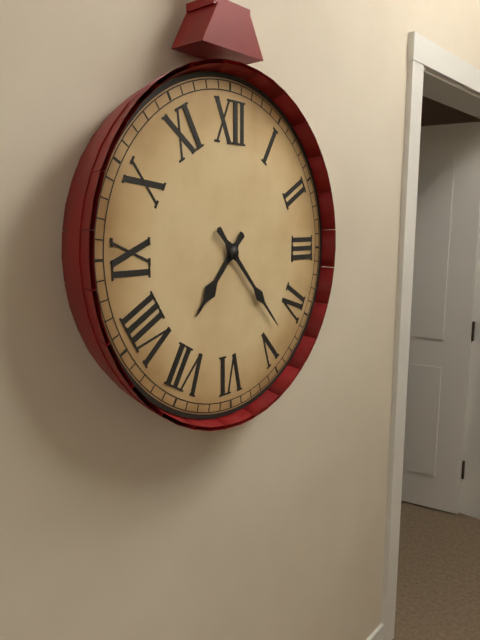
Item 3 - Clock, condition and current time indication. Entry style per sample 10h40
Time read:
7h23
